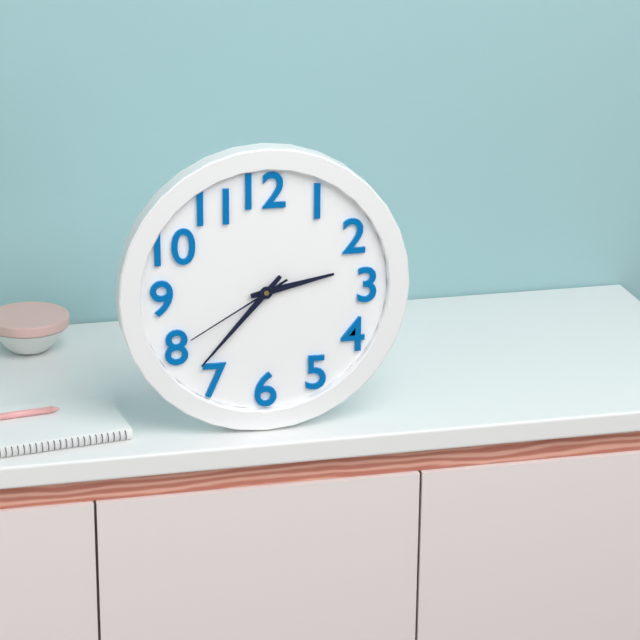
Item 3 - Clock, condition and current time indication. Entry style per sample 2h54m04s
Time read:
2h37m40s
